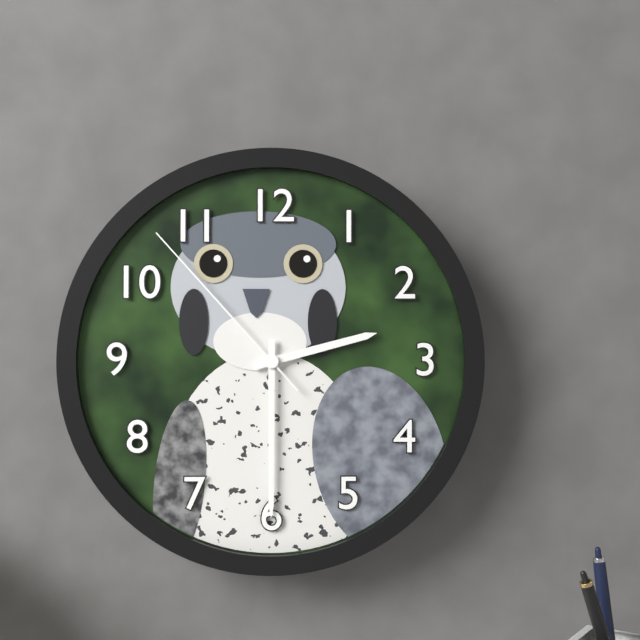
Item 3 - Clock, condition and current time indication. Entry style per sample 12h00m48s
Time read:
2h30m53s
